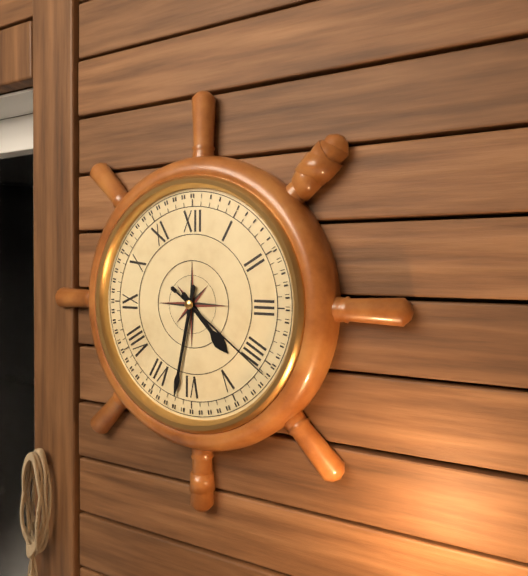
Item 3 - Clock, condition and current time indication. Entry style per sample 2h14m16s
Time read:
4h32m21s
